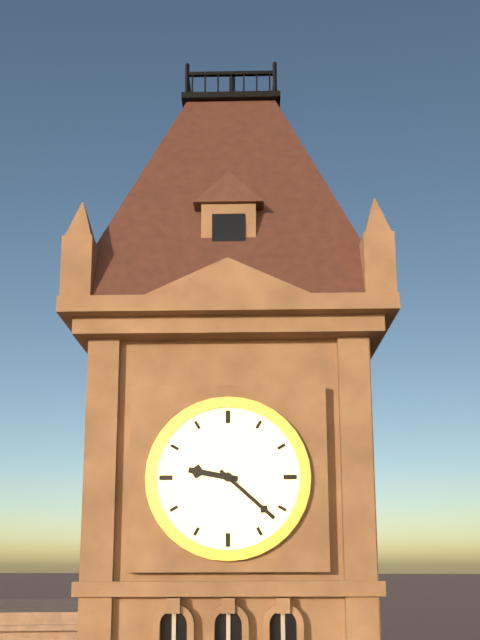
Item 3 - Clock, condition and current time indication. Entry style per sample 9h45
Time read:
9h22
